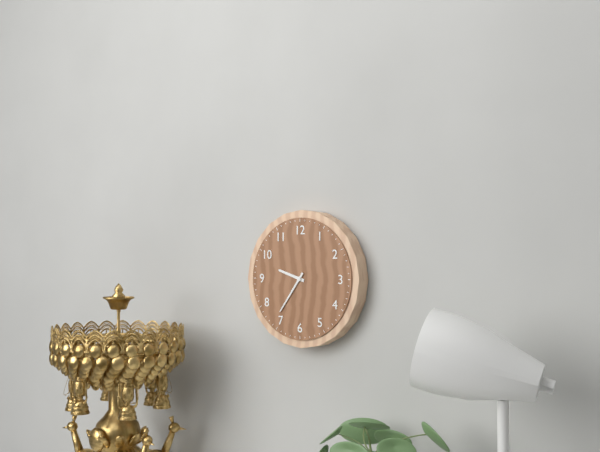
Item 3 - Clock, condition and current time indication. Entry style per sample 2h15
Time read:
9h36
